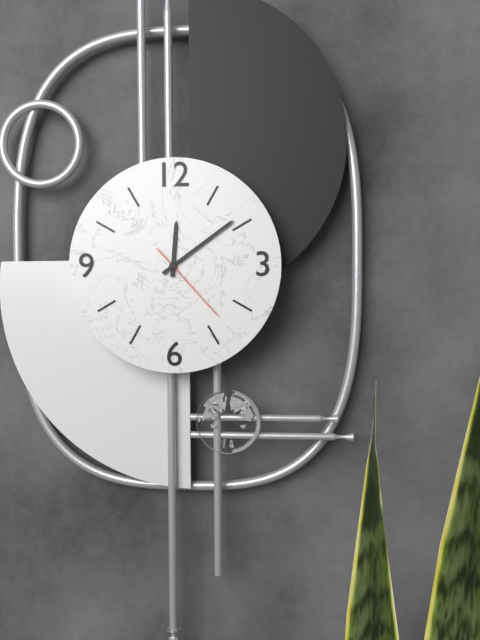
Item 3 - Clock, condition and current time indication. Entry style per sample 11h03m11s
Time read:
12h09m23s
